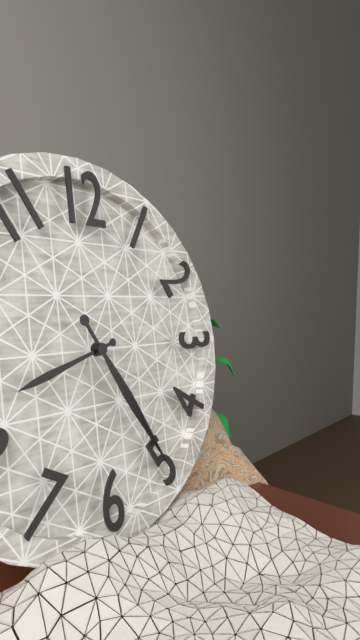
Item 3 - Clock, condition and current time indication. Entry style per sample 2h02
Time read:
8h25
